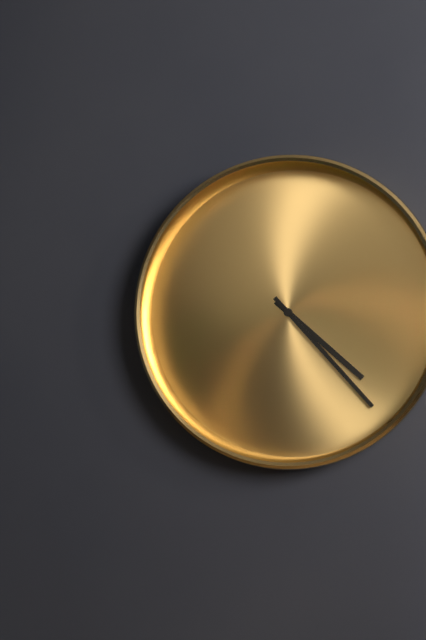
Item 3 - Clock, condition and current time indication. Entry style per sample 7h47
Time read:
4h23
